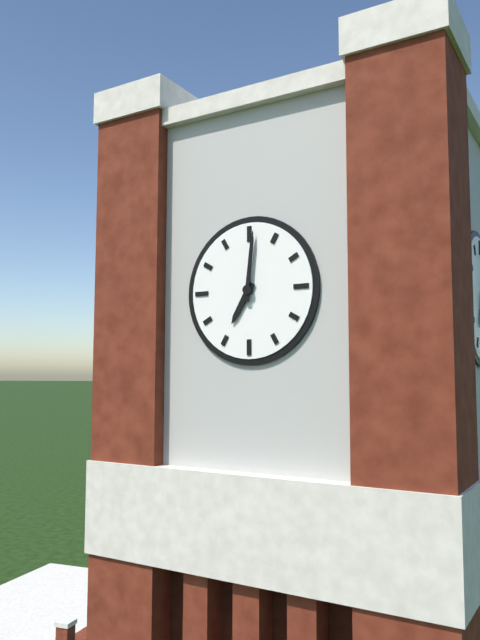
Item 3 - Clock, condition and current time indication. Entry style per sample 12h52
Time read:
7h01
